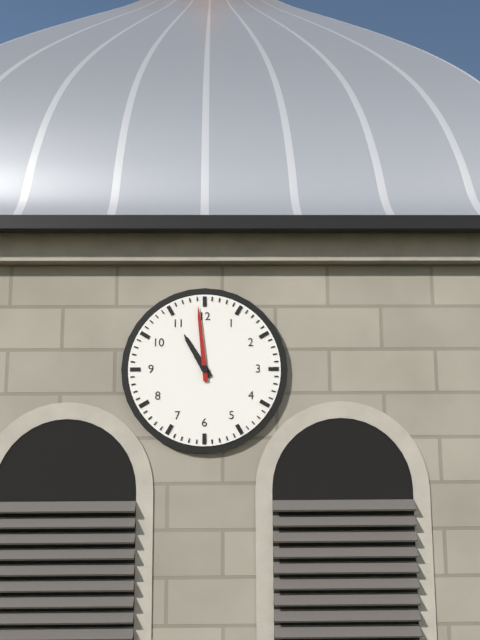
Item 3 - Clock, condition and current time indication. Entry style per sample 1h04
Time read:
10h59
